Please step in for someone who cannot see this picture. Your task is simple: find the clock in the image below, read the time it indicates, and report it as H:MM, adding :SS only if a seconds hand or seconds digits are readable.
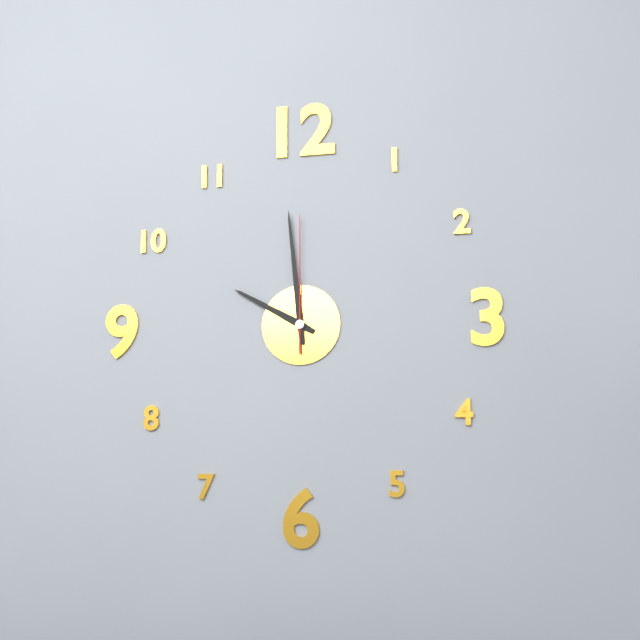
9:59:00
